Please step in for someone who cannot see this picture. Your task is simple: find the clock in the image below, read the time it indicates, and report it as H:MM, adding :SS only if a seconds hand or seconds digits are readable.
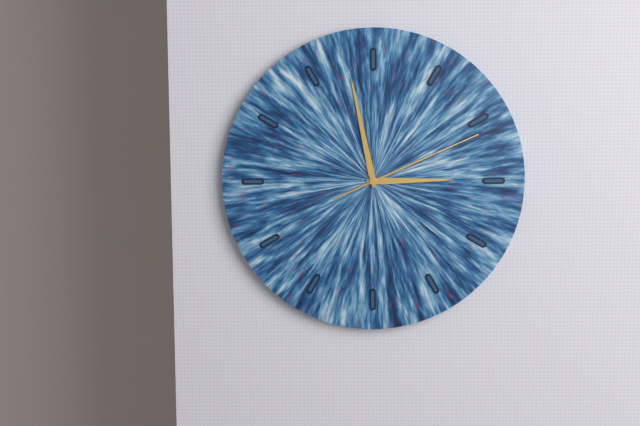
2:58:11
